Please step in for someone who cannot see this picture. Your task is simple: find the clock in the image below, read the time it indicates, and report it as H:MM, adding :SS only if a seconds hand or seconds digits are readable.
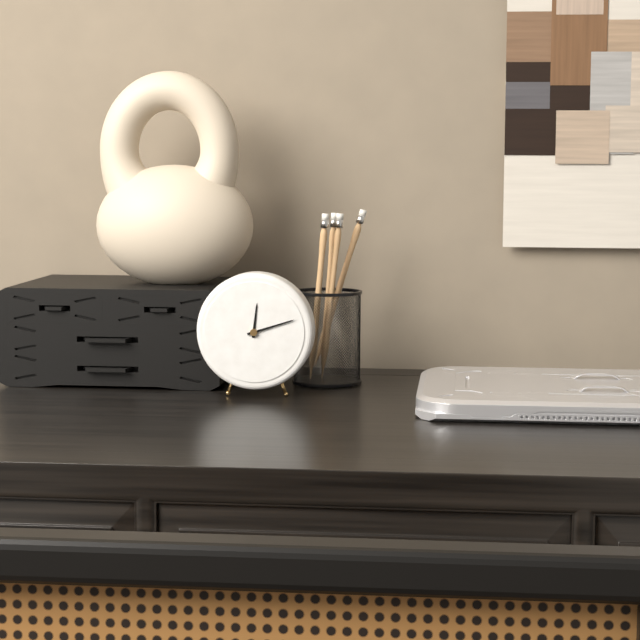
12:12
